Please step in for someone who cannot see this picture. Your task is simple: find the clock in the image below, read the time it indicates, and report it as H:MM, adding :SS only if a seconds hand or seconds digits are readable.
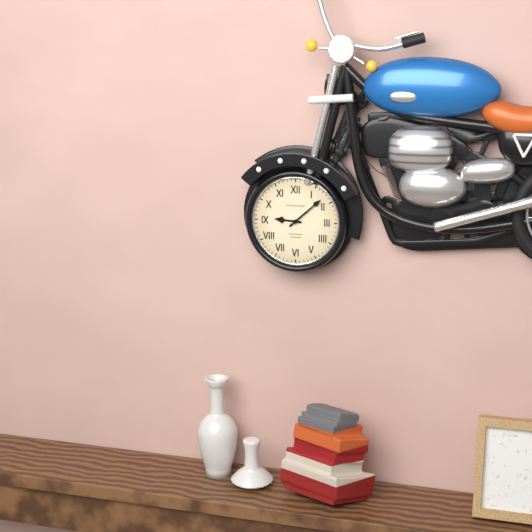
9:08
